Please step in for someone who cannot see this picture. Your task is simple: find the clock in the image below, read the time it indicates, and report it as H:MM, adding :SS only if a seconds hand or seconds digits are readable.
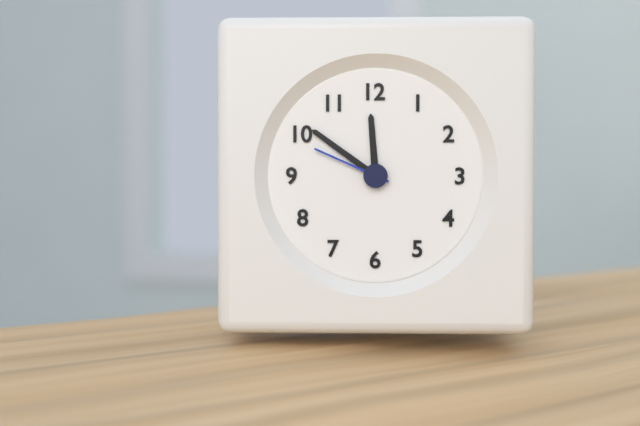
11:51:49
